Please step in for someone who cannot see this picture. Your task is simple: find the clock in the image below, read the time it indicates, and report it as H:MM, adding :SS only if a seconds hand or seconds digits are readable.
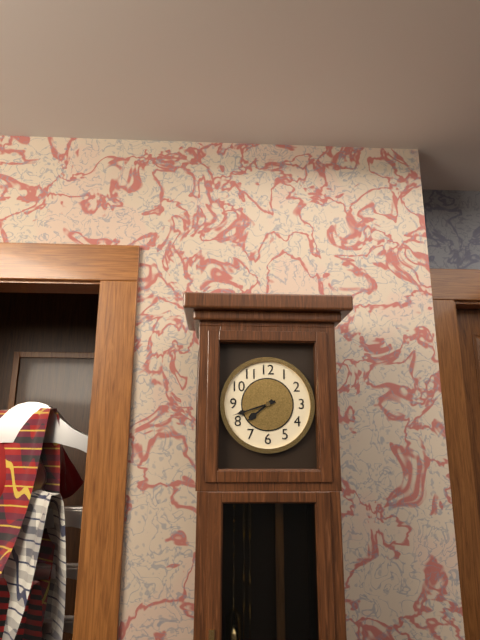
7:42
